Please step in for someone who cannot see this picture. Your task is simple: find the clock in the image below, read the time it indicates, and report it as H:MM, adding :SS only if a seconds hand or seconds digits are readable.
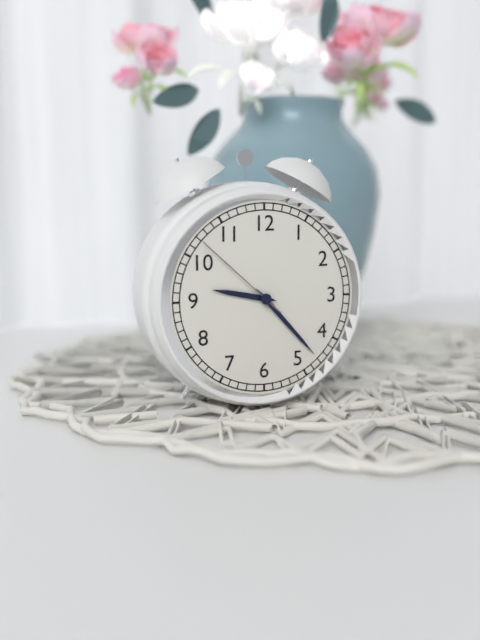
9:23:52
